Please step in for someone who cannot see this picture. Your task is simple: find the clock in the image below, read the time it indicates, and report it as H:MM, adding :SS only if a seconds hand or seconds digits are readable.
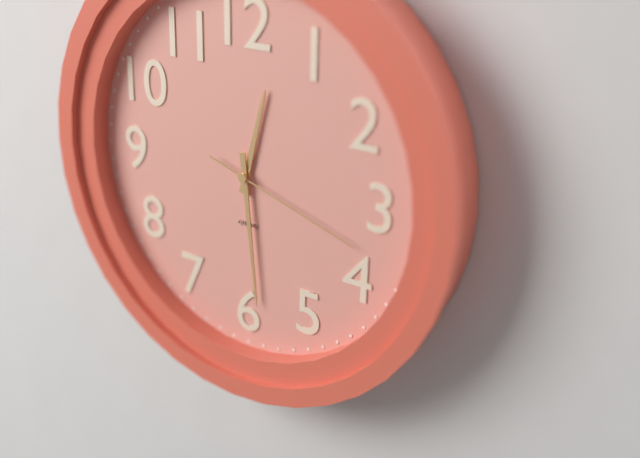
12:29:18
